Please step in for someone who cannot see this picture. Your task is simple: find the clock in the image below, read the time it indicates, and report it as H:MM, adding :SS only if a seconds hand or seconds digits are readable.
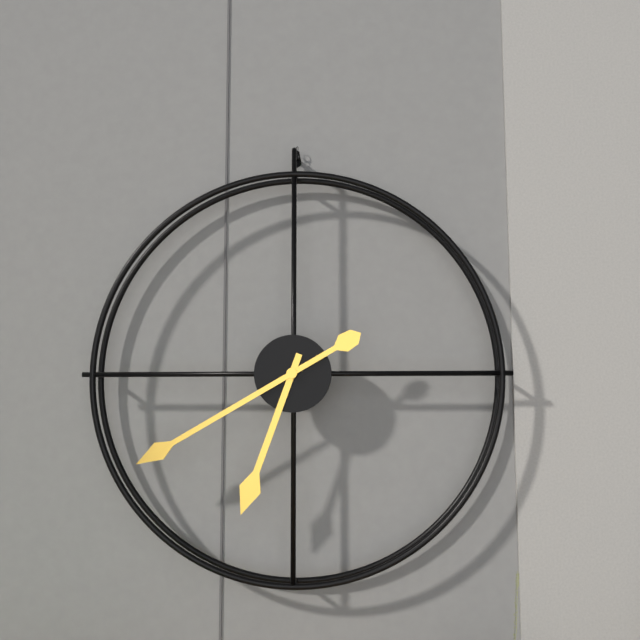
6:40
